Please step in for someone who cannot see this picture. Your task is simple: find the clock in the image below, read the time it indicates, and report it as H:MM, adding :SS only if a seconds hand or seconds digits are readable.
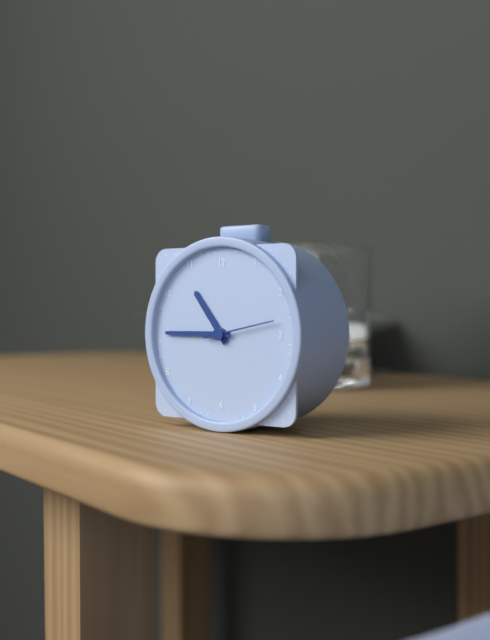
10:45:13
